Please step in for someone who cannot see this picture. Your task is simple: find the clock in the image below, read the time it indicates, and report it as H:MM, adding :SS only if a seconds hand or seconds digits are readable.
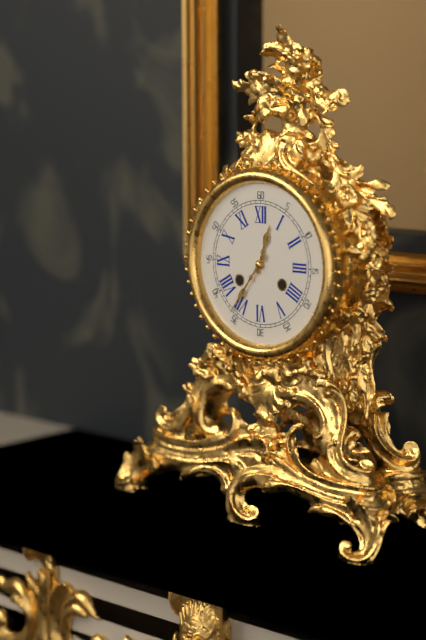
12:36
